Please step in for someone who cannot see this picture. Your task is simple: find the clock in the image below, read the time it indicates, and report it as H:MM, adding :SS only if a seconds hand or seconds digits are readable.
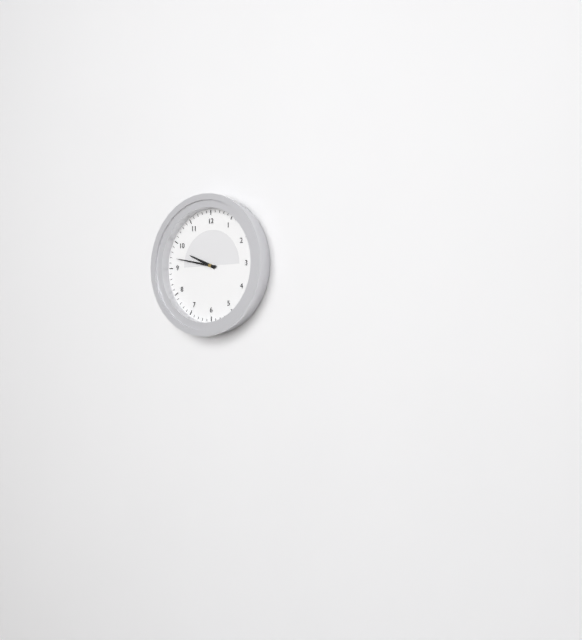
9:47
